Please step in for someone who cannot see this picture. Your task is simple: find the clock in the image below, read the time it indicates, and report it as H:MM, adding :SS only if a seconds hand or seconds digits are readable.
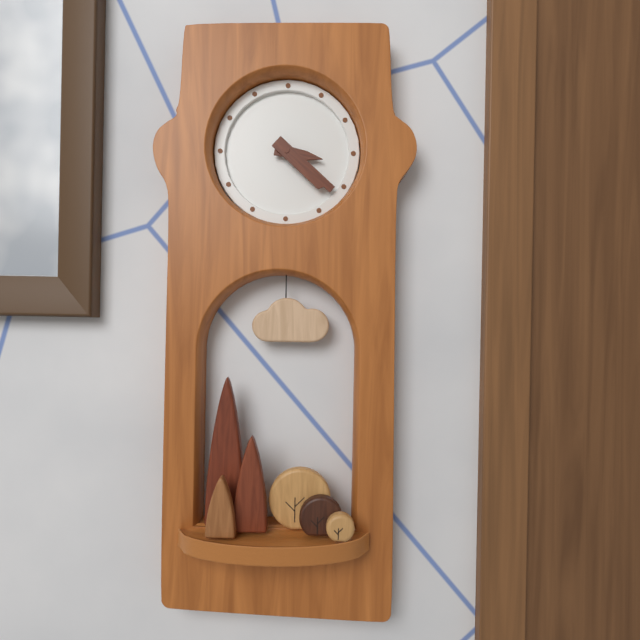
3:22
